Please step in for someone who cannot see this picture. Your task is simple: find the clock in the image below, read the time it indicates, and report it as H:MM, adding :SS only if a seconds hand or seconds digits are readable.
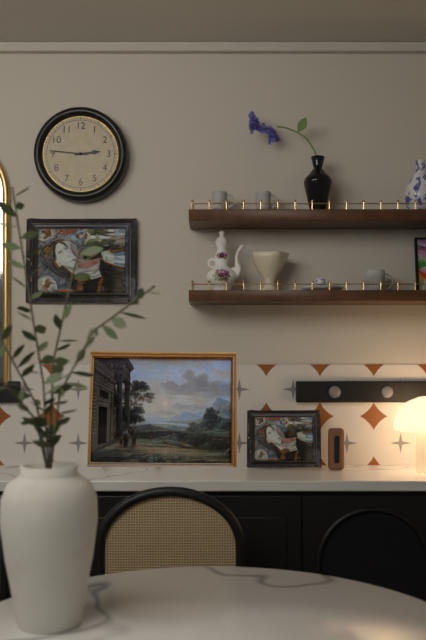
2:46
